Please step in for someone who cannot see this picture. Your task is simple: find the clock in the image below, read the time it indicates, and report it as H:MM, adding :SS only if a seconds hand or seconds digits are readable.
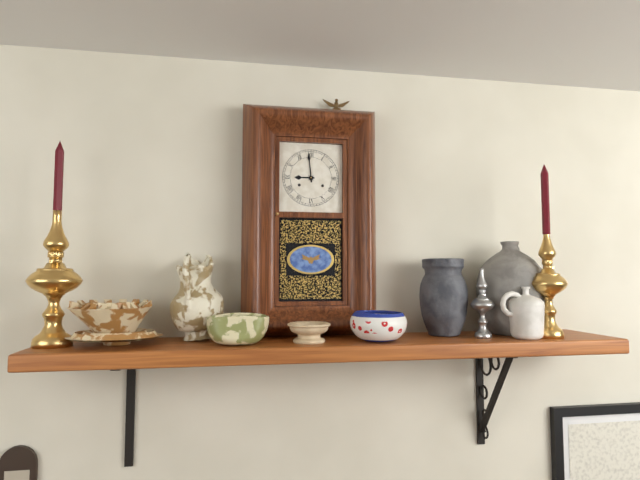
8:59
